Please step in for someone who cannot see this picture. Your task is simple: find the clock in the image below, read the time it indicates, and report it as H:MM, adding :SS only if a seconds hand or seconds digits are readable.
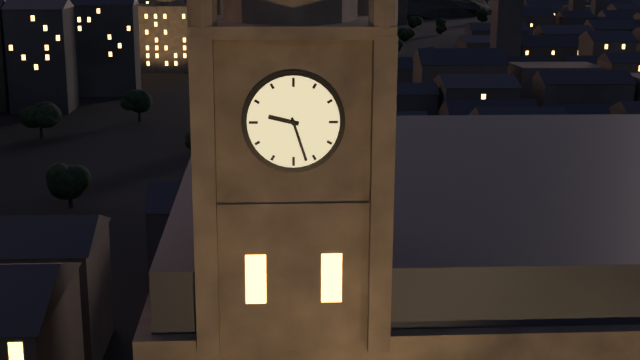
9:27
